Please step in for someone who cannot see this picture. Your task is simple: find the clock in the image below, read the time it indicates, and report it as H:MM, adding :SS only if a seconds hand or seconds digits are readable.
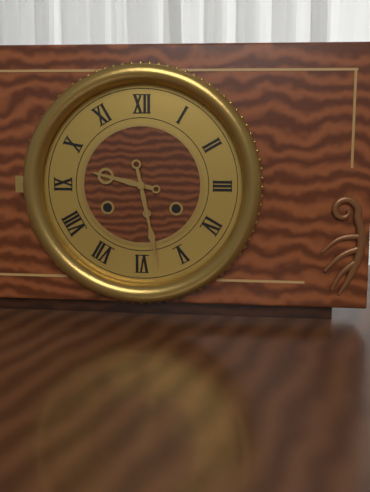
9:28
